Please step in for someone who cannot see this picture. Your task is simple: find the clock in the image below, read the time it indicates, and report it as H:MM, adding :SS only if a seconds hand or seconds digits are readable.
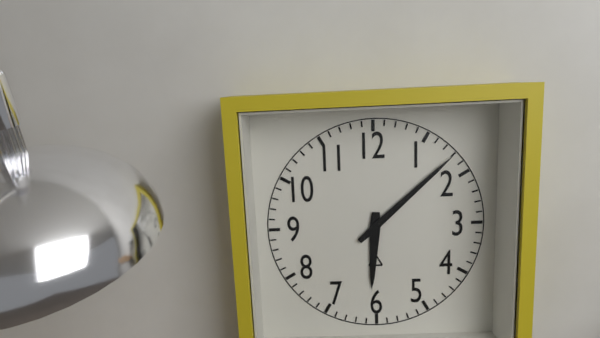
6:08
